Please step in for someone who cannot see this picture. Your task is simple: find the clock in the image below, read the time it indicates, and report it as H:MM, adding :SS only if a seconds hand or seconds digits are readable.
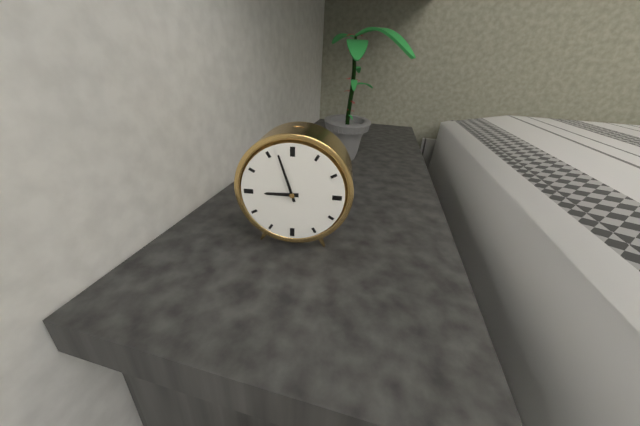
8:57
